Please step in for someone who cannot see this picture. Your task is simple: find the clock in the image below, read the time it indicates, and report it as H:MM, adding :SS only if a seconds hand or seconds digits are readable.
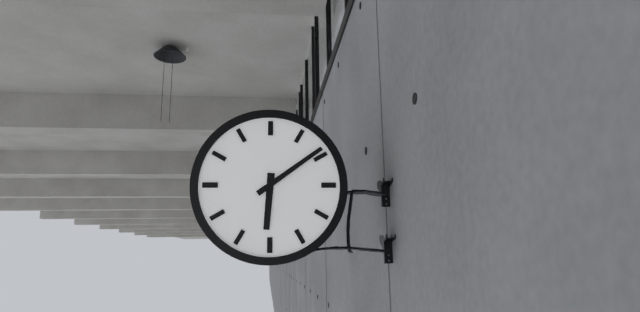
6:09
